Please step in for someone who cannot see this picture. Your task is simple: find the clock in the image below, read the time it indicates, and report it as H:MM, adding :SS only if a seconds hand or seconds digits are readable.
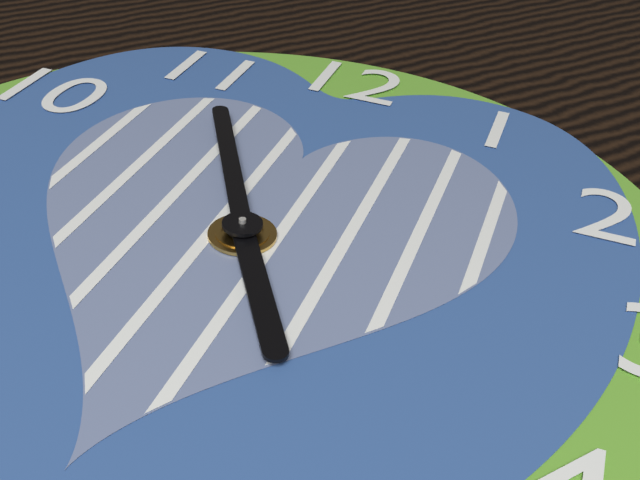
4:55
